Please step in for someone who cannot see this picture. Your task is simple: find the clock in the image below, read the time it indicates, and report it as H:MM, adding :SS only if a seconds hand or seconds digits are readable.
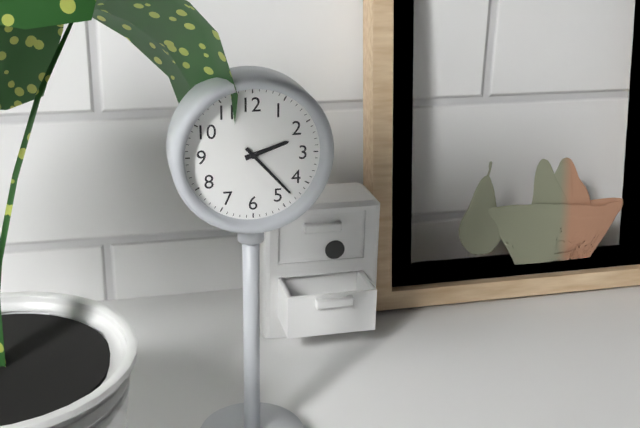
2:23
